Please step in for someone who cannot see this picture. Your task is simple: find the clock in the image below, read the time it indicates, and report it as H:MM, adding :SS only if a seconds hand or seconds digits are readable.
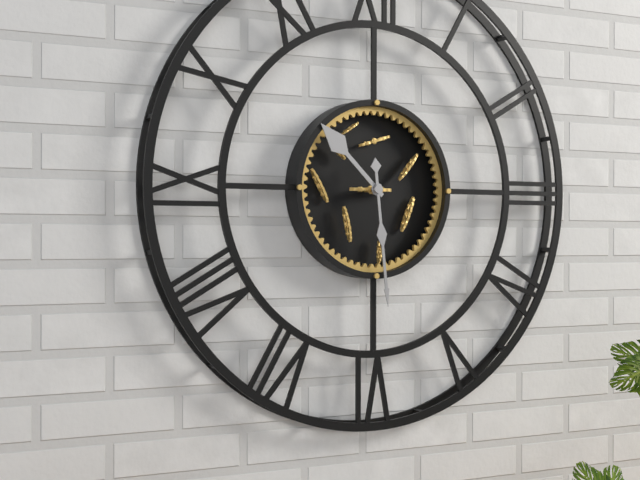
10:29
